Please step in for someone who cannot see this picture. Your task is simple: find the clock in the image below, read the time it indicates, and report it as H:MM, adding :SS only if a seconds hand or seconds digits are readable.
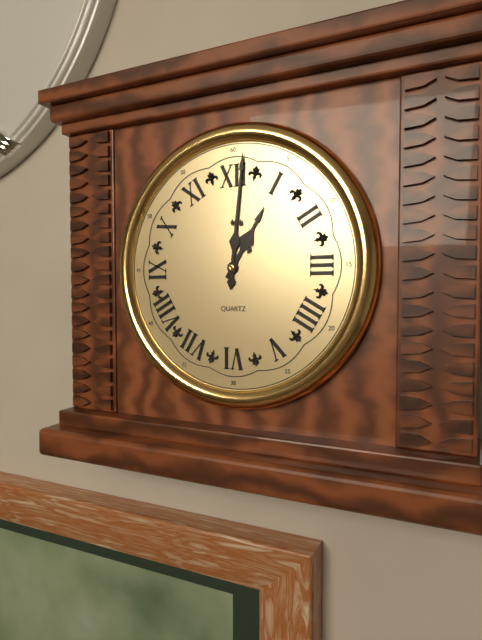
1:01
